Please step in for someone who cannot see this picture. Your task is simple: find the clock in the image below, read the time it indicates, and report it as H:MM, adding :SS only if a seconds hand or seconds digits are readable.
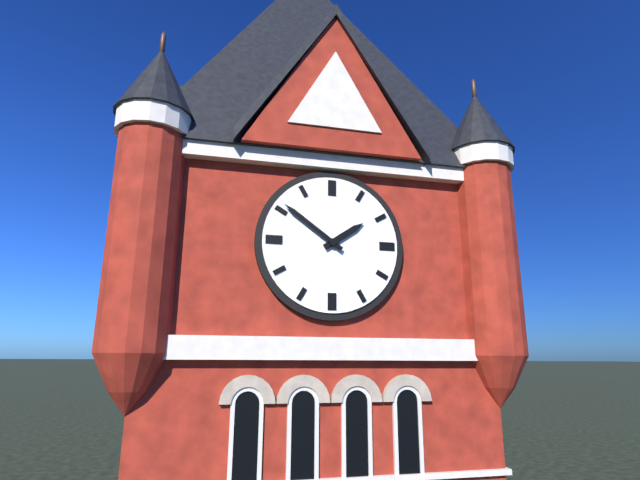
1:51
